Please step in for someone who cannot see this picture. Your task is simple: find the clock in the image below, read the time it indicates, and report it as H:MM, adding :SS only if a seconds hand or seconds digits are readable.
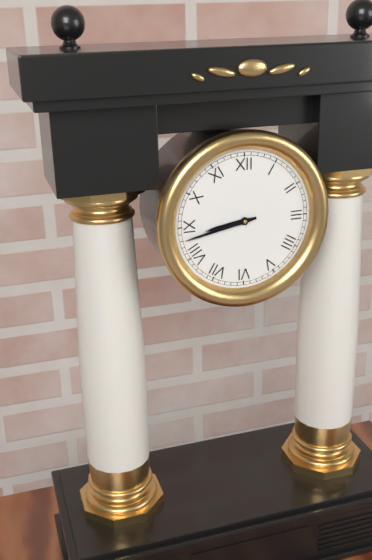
8:43
